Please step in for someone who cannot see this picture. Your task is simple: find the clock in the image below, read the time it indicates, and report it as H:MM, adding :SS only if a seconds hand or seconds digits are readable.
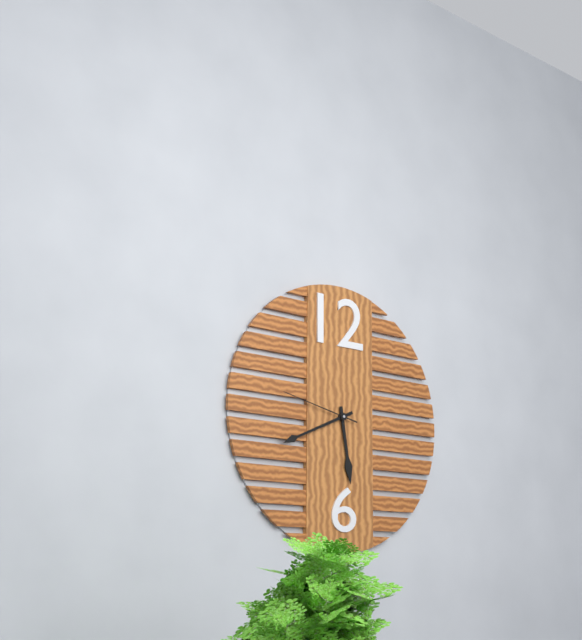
5:41:47
